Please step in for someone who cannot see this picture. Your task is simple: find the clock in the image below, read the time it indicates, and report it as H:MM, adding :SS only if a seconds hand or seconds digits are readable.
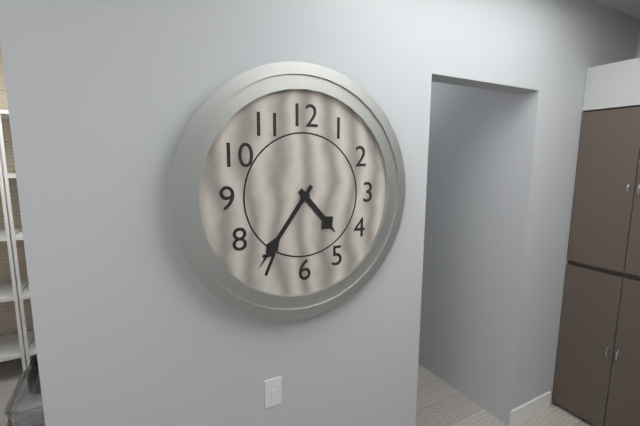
4:36
